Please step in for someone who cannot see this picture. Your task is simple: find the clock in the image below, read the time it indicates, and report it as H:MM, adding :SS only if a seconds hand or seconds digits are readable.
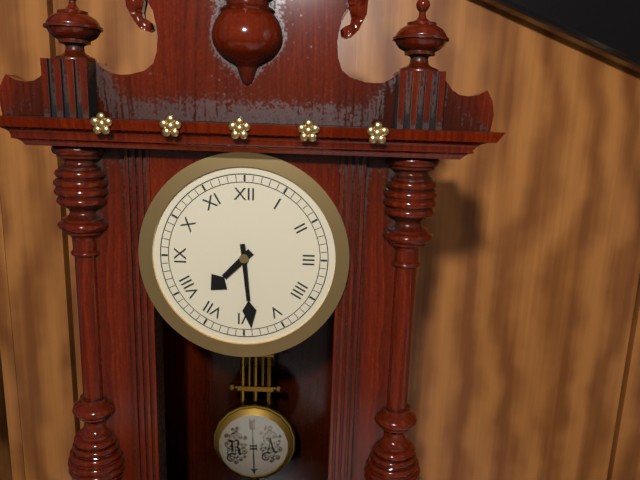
7:29
